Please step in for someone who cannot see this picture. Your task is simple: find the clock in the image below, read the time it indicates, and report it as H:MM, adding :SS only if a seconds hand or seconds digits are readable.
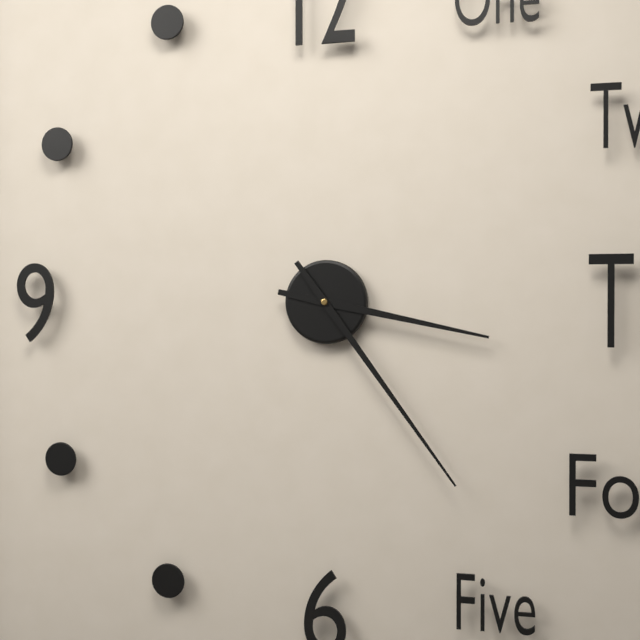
3:24
